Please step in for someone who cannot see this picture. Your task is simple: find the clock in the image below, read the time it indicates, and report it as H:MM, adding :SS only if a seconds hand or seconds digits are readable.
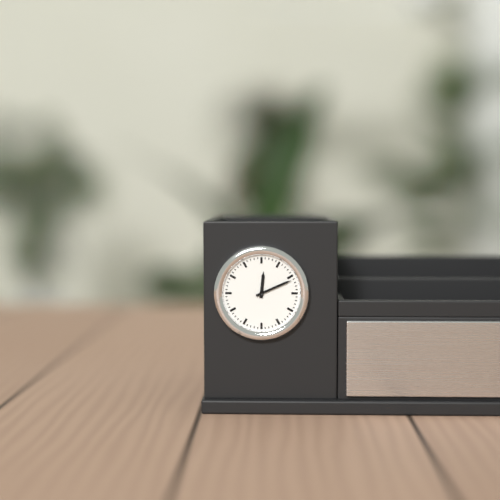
12:11
